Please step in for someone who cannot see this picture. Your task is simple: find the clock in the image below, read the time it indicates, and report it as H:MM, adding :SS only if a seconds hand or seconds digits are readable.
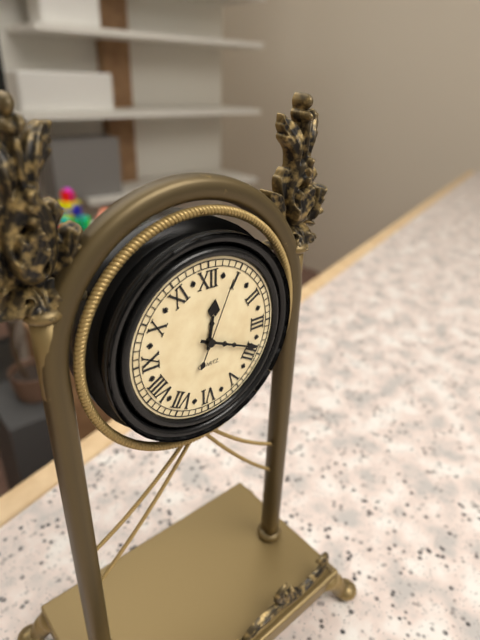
12:19:04
